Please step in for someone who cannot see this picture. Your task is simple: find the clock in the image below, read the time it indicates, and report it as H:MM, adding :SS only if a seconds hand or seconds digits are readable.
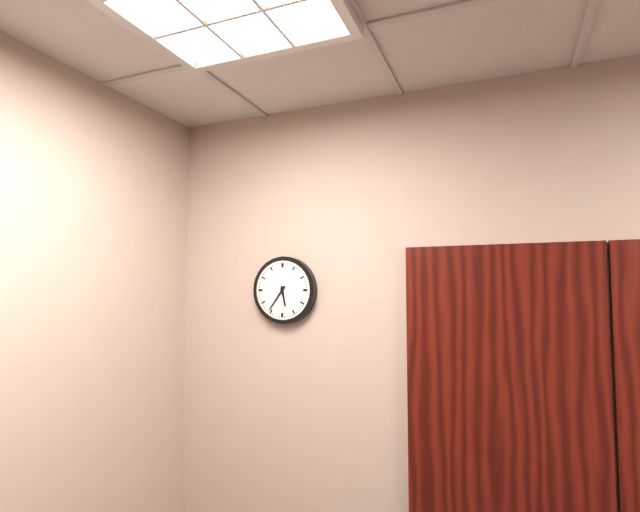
5:36
